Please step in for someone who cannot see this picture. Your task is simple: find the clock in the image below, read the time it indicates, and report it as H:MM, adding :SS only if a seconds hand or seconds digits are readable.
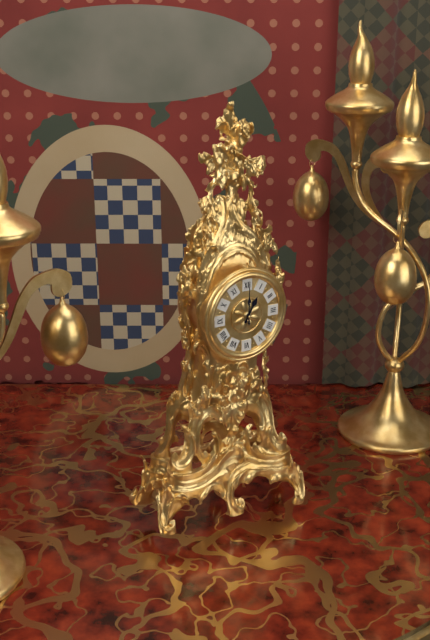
1:00
